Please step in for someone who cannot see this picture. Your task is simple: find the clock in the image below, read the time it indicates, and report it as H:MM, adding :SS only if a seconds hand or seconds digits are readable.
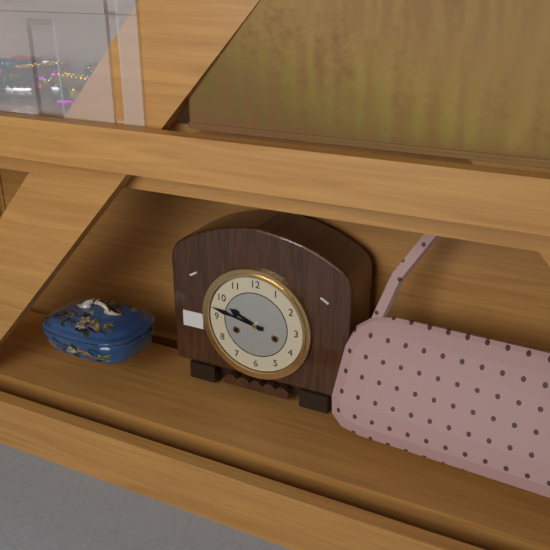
9:47
